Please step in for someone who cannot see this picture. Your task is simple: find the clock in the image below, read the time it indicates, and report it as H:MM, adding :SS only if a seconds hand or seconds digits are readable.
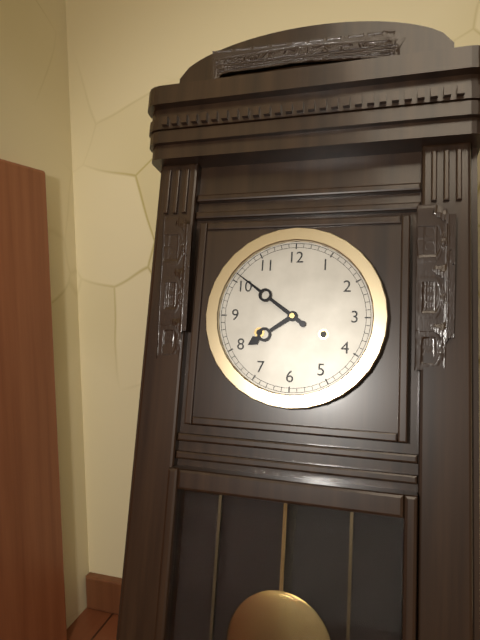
7:51
